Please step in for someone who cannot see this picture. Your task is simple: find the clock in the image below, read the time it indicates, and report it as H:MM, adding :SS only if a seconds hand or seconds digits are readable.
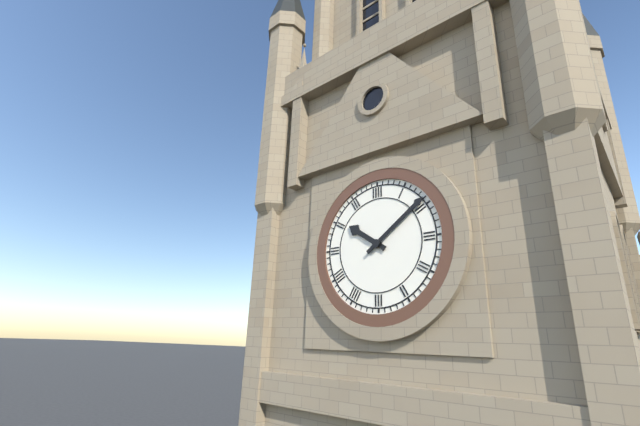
10:09
